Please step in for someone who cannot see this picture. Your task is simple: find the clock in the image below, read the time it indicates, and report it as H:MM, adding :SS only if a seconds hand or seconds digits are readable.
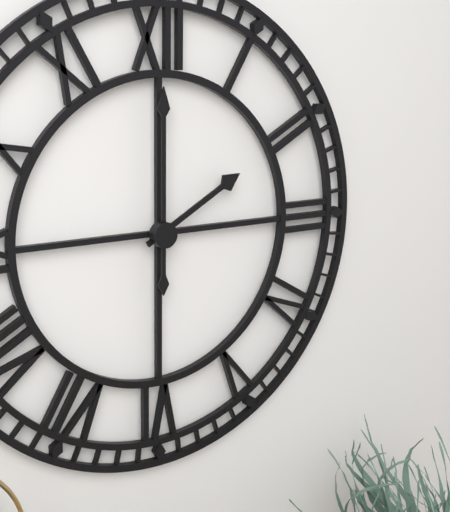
2:00
